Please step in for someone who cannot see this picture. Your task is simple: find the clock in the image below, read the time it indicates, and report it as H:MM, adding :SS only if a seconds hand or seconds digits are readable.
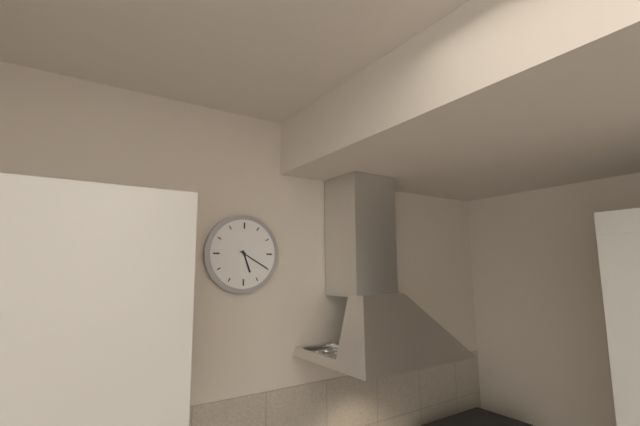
5:20
